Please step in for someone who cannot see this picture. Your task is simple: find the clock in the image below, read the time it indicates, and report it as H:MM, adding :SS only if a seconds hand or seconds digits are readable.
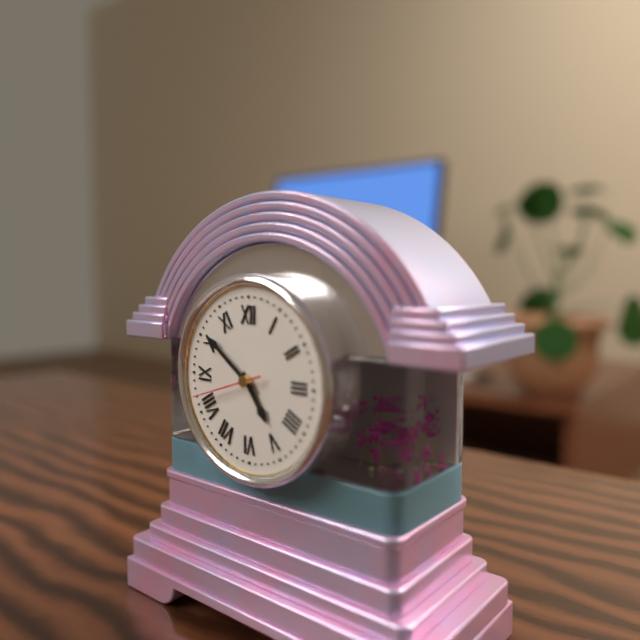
4:51:42
